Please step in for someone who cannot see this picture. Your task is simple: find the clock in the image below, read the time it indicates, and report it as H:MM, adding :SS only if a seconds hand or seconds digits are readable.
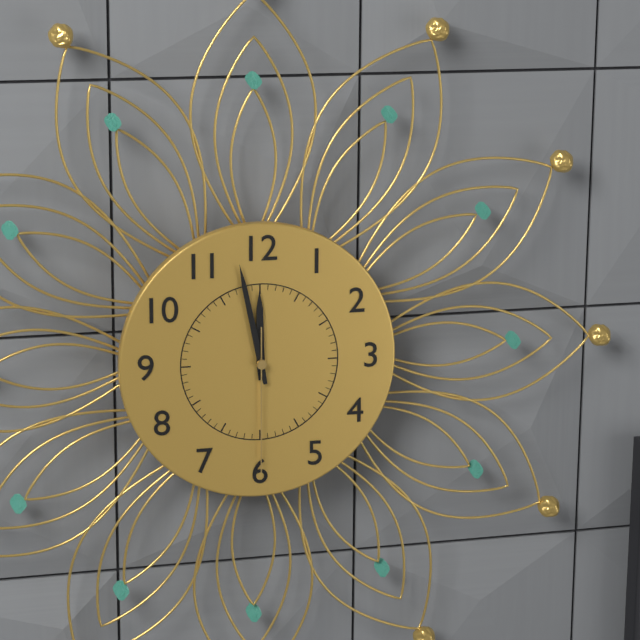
11:58:30
